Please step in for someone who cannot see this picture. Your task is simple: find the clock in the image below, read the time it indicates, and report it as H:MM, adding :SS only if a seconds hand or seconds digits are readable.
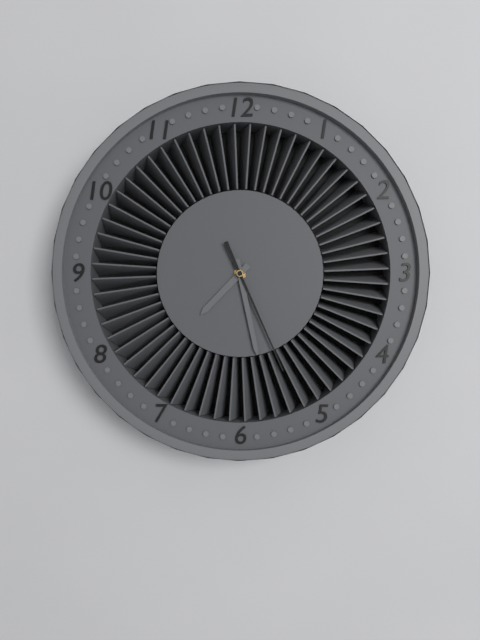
7:28:26
